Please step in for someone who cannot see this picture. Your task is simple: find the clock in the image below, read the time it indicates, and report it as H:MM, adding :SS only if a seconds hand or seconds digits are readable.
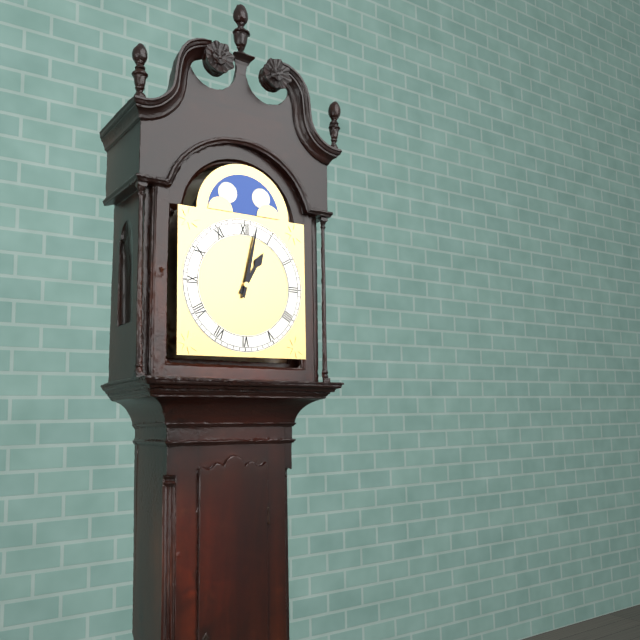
1:02
